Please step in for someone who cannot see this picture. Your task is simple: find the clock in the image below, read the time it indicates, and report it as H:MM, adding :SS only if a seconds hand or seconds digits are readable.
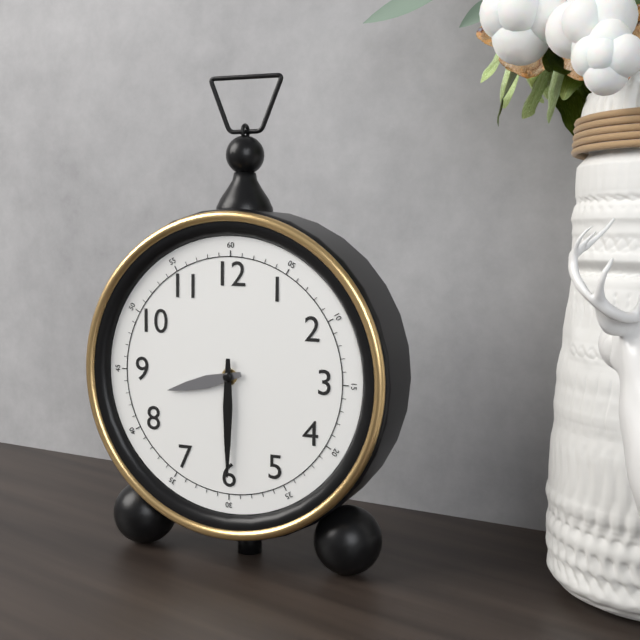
8:30
